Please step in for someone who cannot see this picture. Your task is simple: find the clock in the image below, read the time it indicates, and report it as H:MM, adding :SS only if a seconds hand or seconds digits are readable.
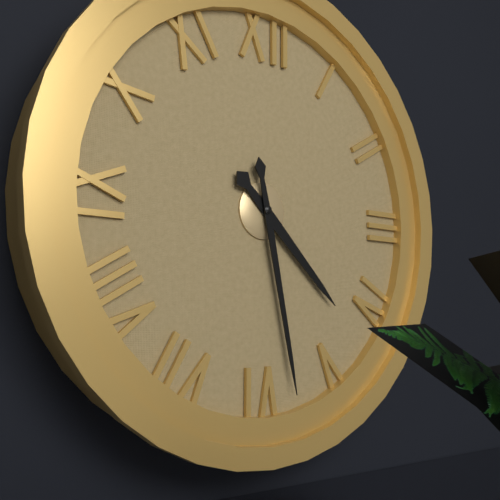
4:28
